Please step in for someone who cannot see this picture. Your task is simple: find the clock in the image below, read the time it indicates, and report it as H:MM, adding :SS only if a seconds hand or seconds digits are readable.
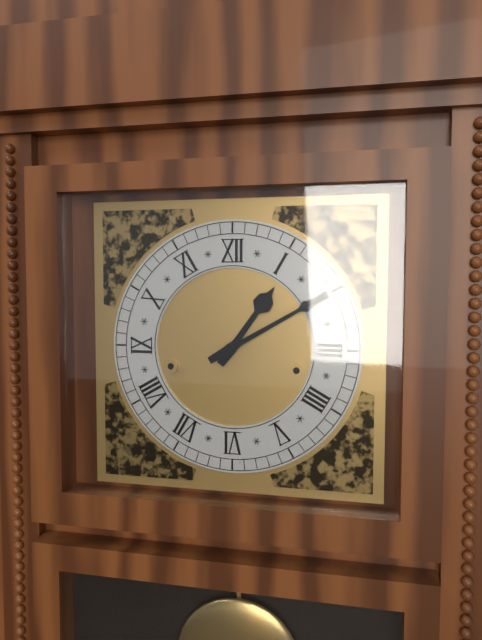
1:10
